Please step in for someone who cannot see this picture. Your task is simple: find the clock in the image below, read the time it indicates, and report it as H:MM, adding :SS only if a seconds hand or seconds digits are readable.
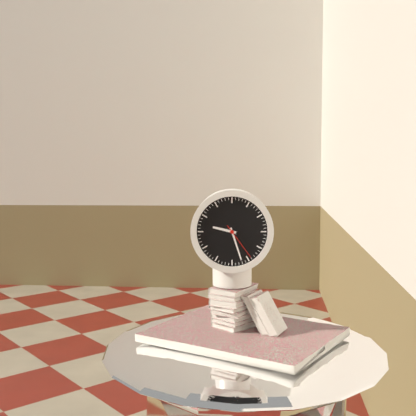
9:27
